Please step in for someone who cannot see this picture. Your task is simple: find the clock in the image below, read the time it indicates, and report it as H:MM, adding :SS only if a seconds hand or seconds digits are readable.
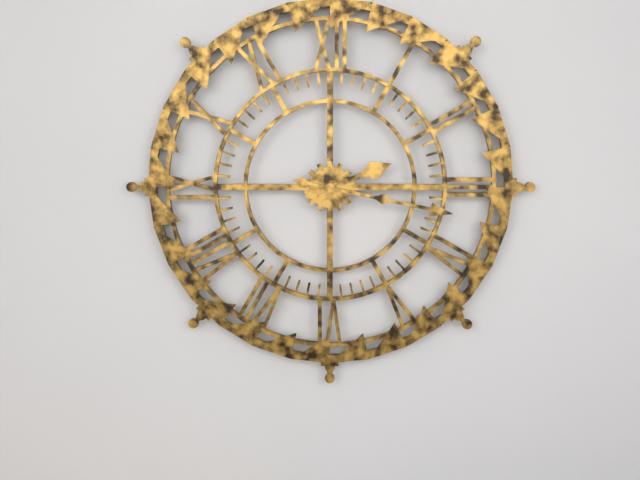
2:17
